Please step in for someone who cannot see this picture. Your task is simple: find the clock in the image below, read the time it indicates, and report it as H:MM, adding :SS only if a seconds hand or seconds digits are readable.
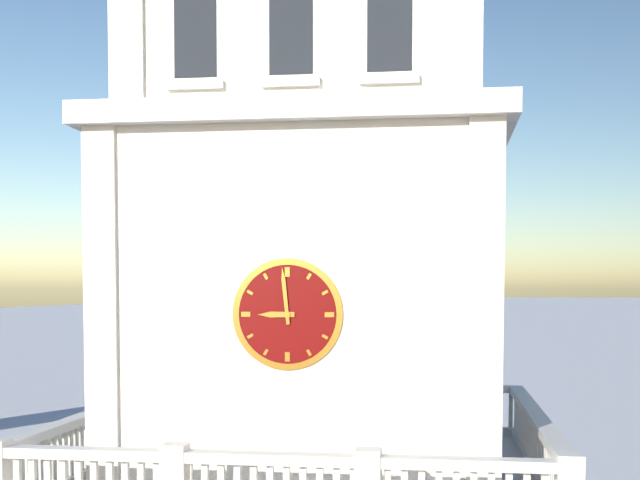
8:59
